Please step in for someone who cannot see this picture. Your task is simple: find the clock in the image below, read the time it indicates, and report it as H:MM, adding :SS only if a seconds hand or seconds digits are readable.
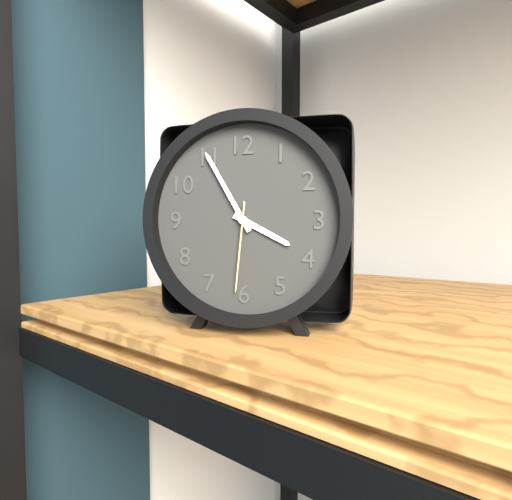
3:55:31
